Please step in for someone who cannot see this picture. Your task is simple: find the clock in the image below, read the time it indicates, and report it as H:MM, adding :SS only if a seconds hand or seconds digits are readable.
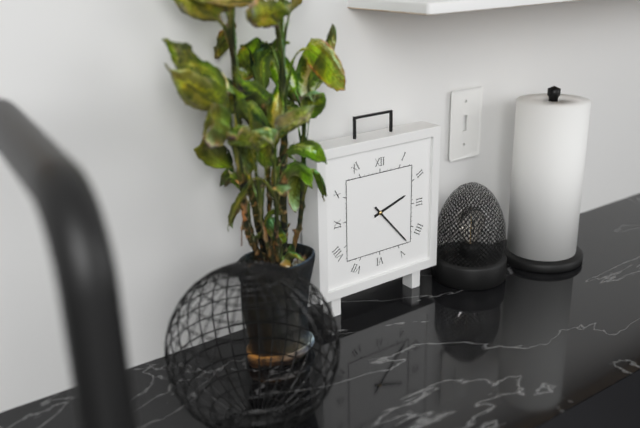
2:23
